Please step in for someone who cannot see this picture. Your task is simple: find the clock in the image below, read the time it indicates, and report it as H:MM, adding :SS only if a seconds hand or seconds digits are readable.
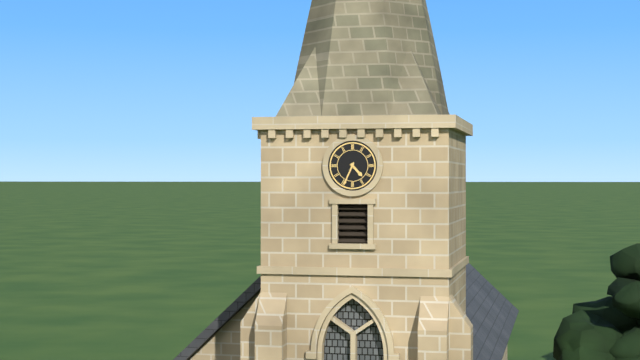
4:34
